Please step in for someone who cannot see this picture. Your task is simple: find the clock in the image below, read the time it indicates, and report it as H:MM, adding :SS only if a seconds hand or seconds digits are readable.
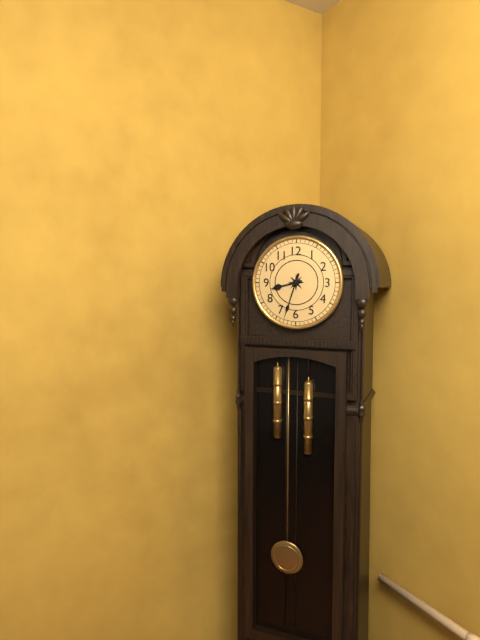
8:33
